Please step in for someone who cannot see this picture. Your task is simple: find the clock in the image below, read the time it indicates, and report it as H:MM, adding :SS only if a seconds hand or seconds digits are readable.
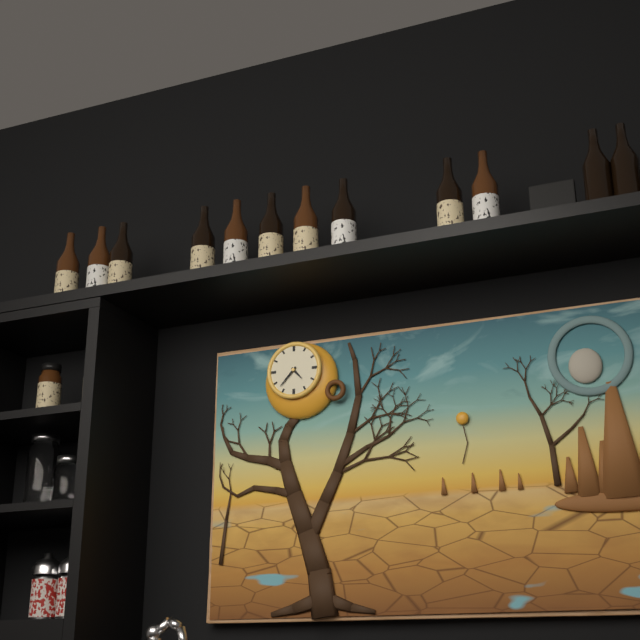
4:37
